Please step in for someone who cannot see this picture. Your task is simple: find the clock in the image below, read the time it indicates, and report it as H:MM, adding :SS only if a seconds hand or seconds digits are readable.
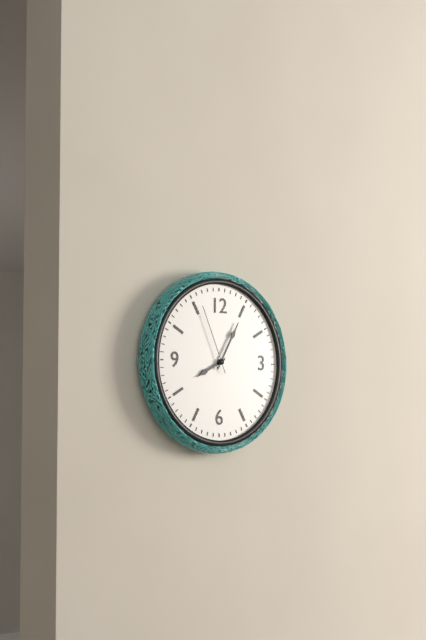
8:05:56
